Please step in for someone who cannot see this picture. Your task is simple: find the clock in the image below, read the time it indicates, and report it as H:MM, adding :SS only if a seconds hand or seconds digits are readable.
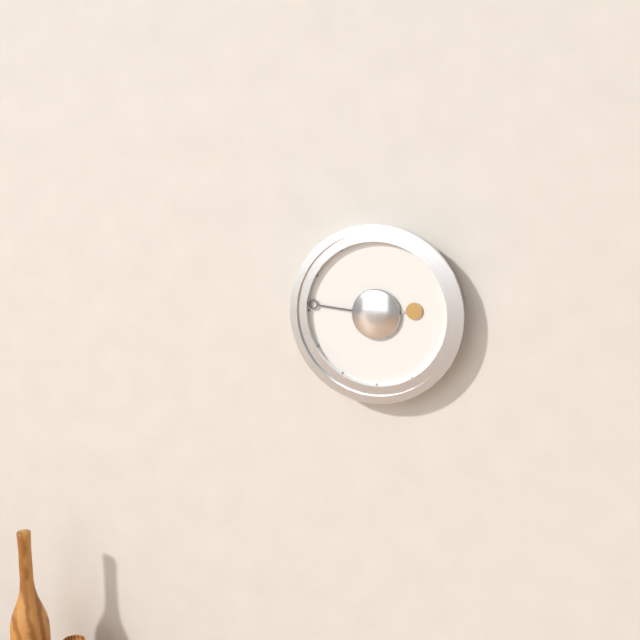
2:46
